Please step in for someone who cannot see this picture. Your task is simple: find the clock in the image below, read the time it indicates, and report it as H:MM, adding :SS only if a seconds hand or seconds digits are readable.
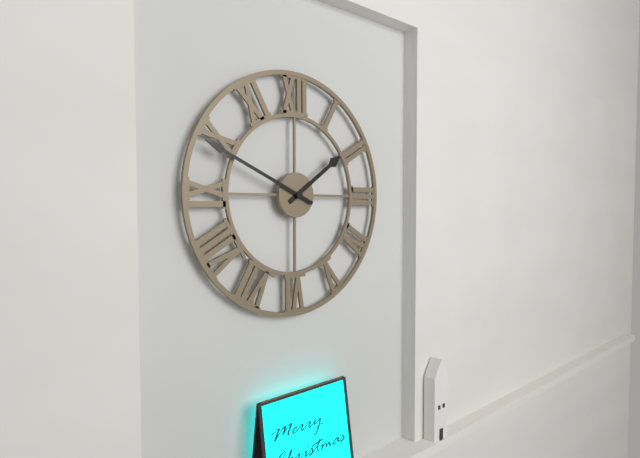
1:49
